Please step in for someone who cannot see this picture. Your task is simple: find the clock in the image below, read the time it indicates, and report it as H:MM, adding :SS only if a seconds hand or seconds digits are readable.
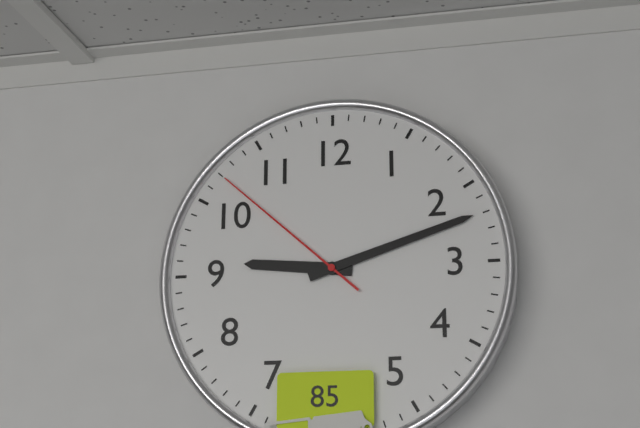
9:12:52
